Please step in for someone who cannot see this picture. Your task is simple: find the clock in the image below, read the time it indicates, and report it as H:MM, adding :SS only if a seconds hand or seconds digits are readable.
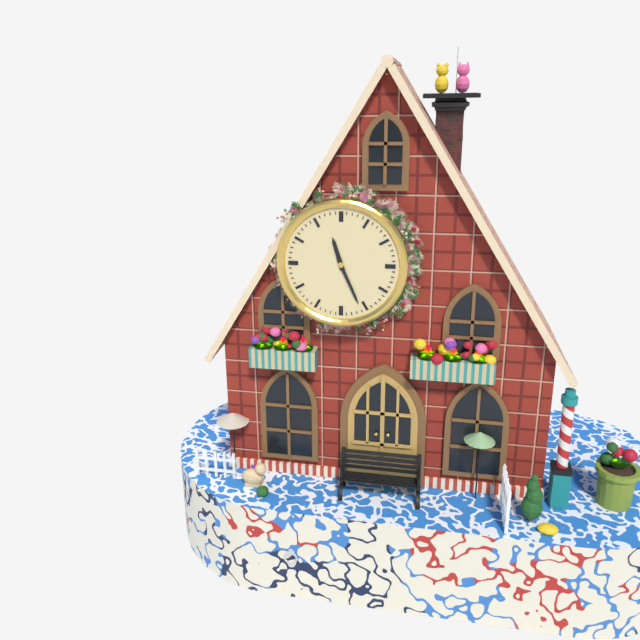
11:26
